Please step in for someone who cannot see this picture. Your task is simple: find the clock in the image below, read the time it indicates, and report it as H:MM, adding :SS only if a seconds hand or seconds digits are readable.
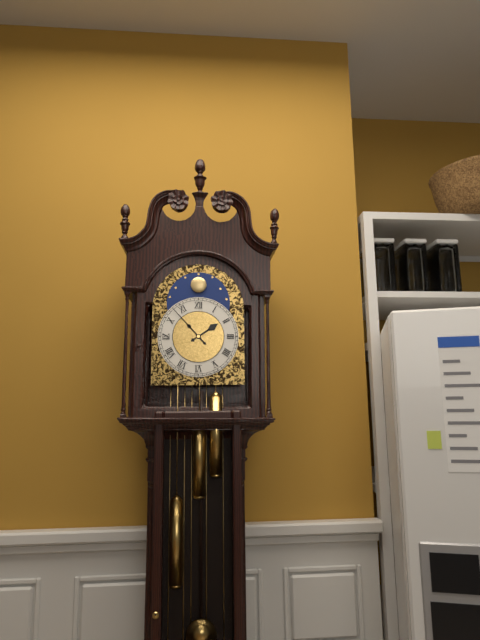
1:53
